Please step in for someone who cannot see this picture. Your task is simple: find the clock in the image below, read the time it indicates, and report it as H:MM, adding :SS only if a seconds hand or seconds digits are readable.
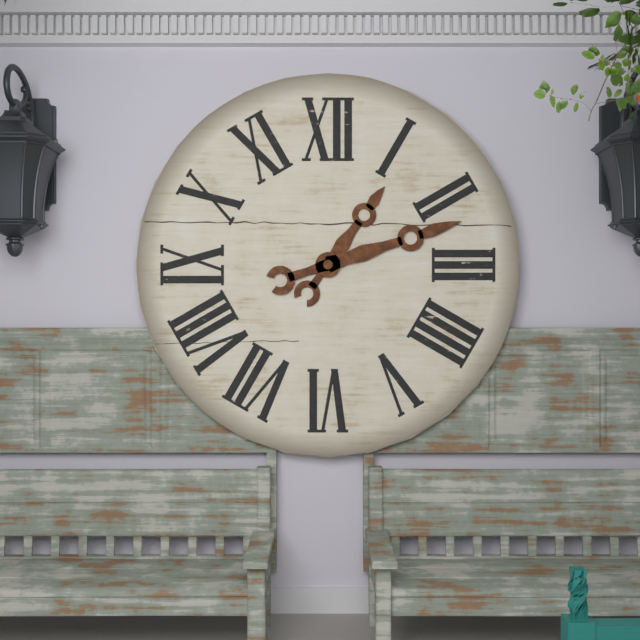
1:12
